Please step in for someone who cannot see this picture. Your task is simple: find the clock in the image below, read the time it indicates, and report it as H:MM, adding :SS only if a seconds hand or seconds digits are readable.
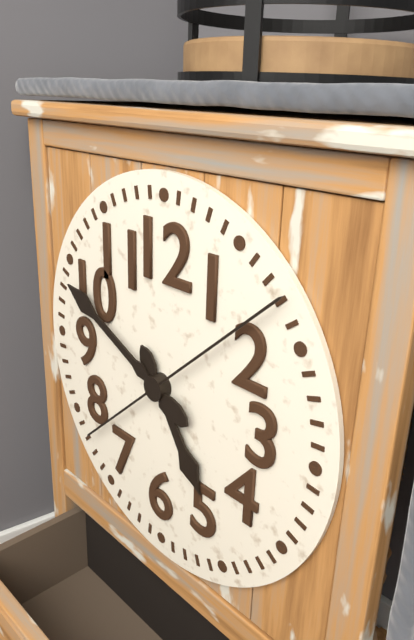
4:49:08
